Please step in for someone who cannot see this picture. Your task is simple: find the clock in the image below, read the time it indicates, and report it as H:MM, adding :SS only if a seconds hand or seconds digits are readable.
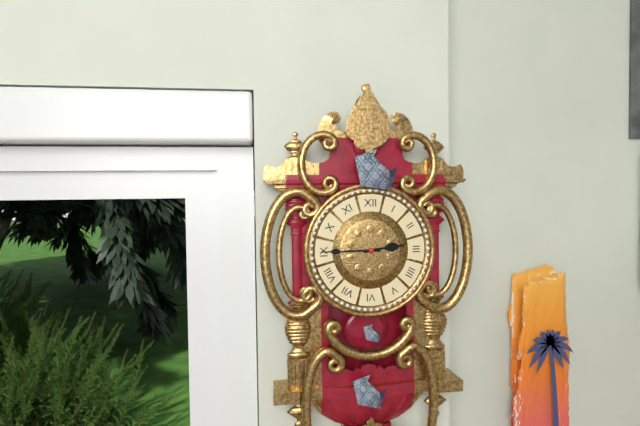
2:45
